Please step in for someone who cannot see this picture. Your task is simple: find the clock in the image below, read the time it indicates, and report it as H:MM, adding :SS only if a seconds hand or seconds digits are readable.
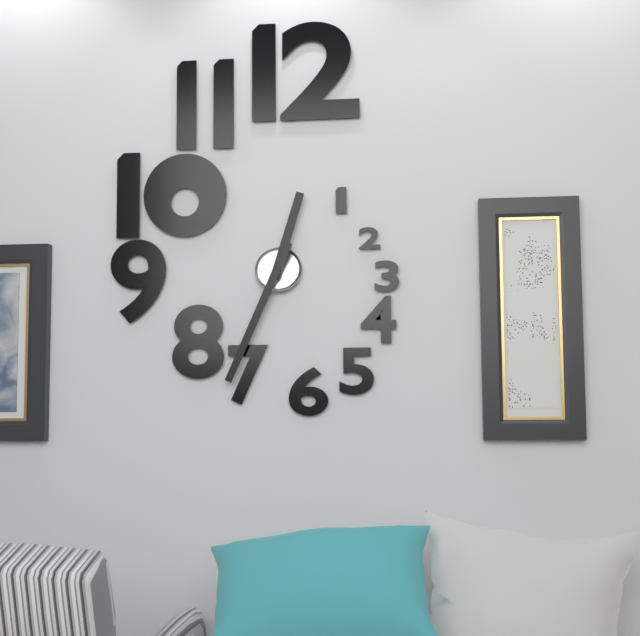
12:34
